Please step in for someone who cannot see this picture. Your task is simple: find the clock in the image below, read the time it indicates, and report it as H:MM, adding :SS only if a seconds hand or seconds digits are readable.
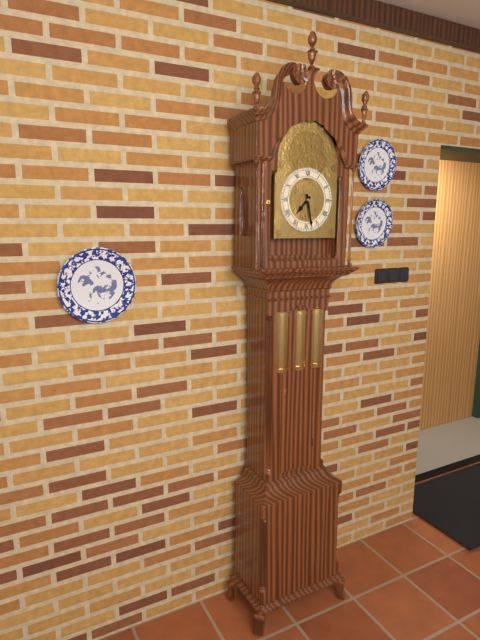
7:28
